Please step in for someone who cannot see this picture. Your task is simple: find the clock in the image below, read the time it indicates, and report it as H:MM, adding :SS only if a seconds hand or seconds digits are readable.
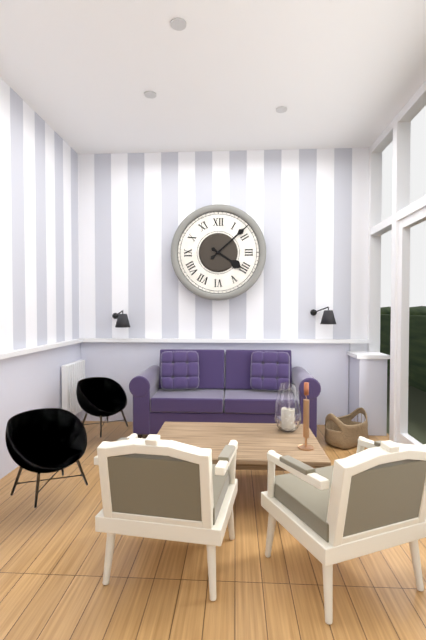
4:08
